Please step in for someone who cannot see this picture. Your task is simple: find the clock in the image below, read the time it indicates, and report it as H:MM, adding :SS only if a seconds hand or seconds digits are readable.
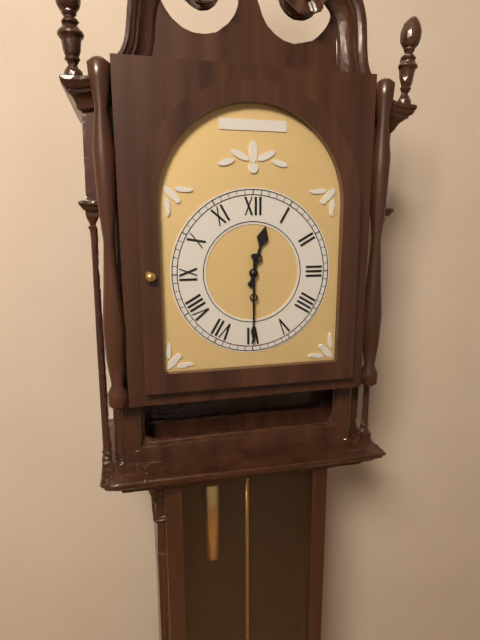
12:30
